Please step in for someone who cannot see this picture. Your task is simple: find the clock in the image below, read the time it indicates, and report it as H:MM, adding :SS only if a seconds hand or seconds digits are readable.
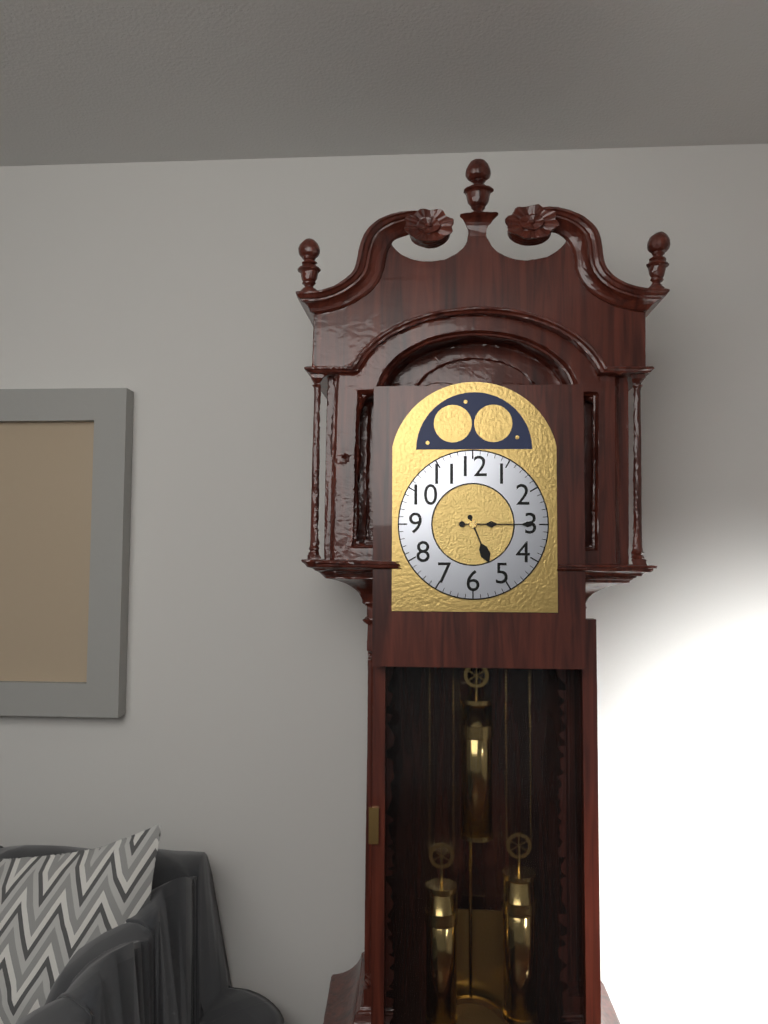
5:15
